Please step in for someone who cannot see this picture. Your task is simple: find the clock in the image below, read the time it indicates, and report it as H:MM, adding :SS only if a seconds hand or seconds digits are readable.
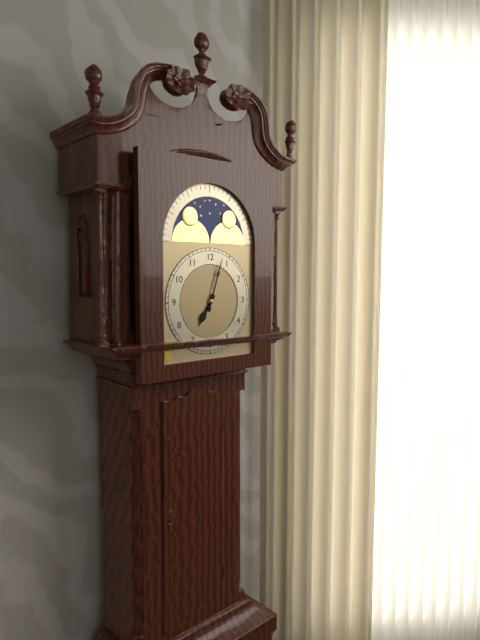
7:03
